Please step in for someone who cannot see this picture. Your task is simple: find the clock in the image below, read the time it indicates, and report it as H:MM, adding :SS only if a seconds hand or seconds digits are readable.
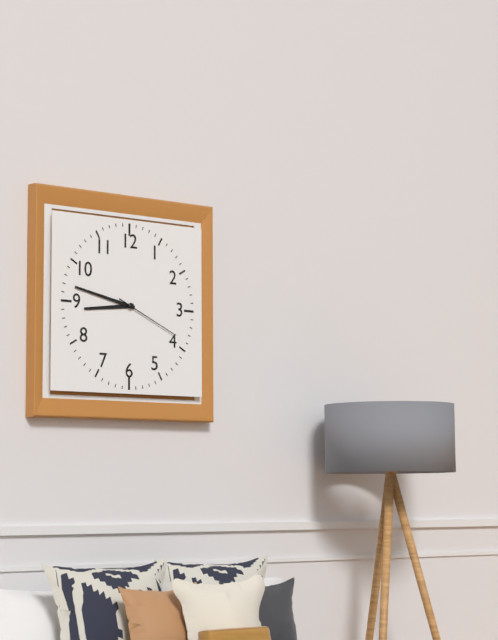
8:47:19
